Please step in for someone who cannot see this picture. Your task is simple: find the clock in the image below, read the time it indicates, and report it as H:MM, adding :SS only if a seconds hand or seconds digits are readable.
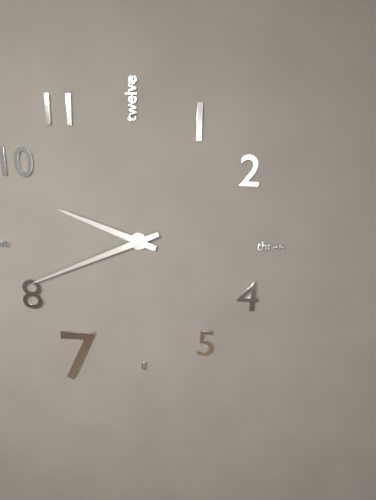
9:41
